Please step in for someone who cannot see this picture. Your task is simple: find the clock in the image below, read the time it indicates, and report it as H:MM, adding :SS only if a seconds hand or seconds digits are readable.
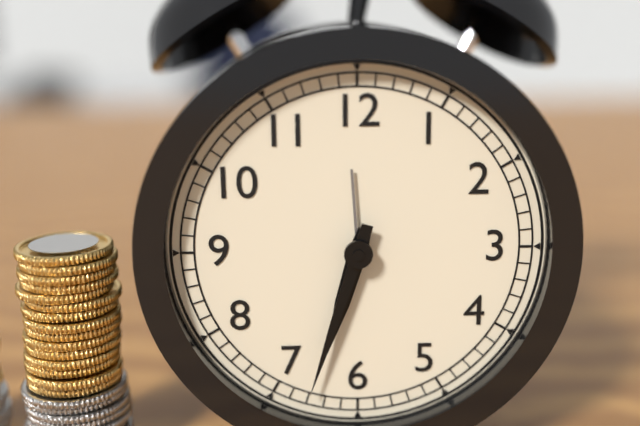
6:33
